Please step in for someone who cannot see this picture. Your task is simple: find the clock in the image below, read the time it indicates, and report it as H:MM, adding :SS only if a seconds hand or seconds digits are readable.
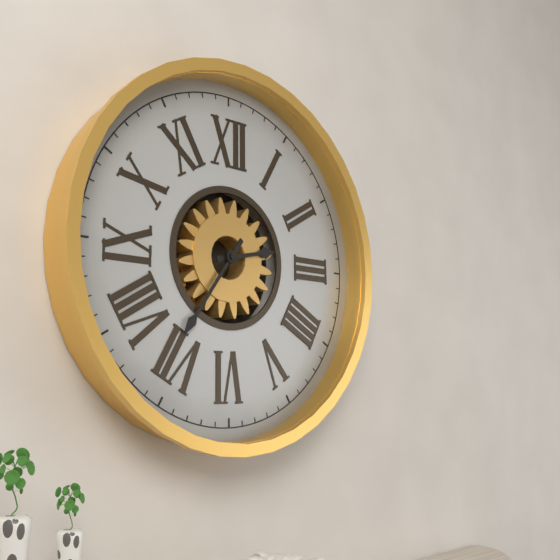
2:36
